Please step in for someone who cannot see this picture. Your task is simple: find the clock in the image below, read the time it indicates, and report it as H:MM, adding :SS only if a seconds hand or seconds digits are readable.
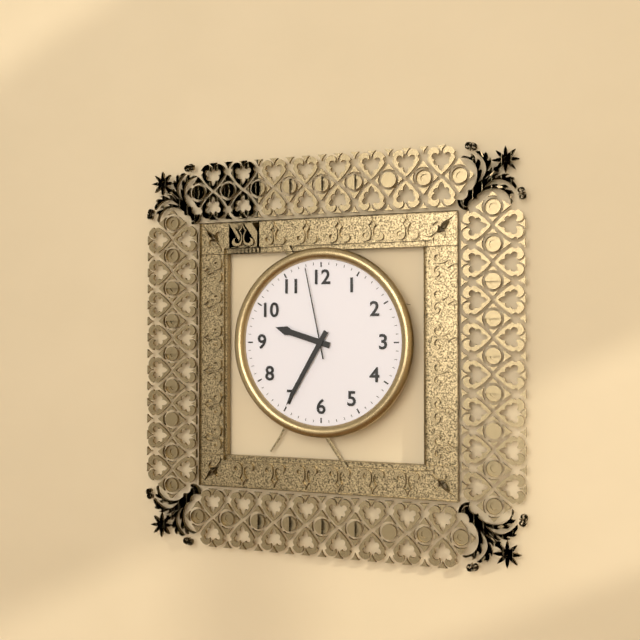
9:35:58
